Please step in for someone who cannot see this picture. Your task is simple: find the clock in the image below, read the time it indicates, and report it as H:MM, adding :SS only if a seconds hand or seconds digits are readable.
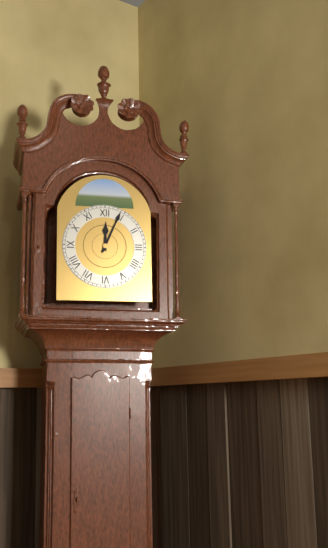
12:04
